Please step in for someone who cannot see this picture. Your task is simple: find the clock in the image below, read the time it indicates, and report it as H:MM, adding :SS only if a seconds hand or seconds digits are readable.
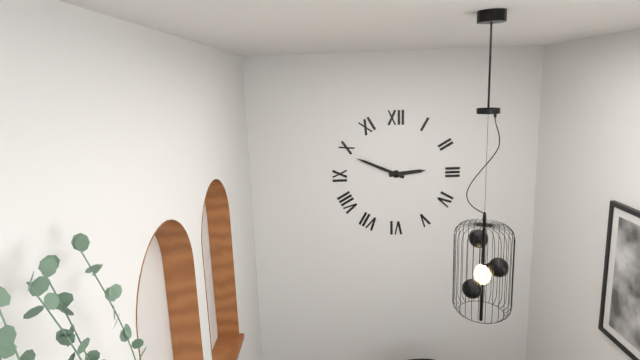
2:49
